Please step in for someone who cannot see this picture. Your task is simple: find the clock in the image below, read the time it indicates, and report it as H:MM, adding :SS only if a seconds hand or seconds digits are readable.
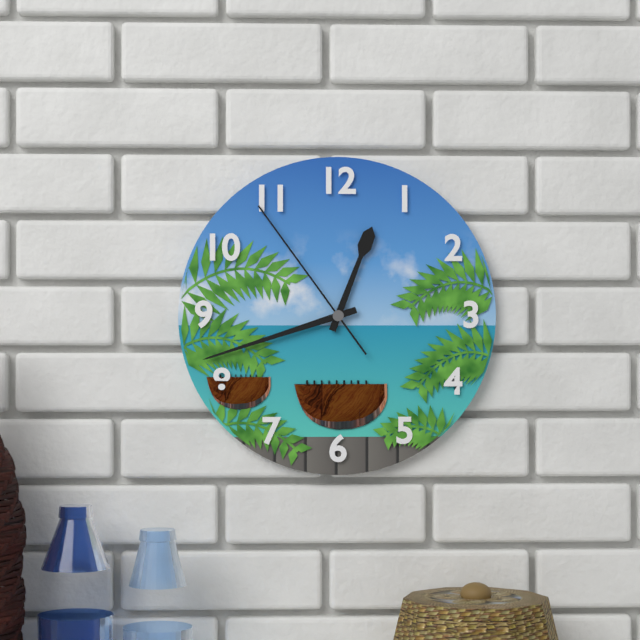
12:42:54
